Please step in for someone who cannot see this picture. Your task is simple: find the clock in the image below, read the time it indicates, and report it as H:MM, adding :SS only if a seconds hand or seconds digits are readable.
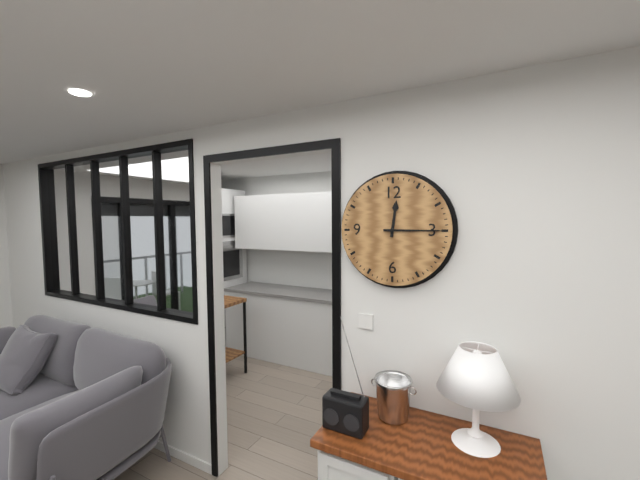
12:15
